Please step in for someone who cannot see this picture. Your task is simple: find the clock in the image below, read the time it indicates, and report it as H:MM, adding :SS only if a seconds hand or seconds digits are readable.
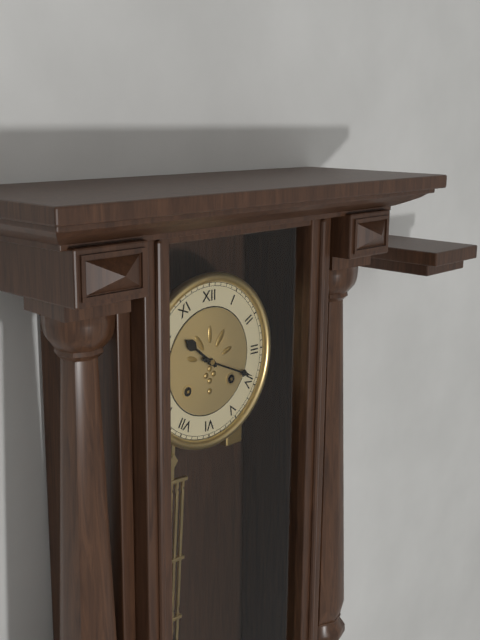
10:19
